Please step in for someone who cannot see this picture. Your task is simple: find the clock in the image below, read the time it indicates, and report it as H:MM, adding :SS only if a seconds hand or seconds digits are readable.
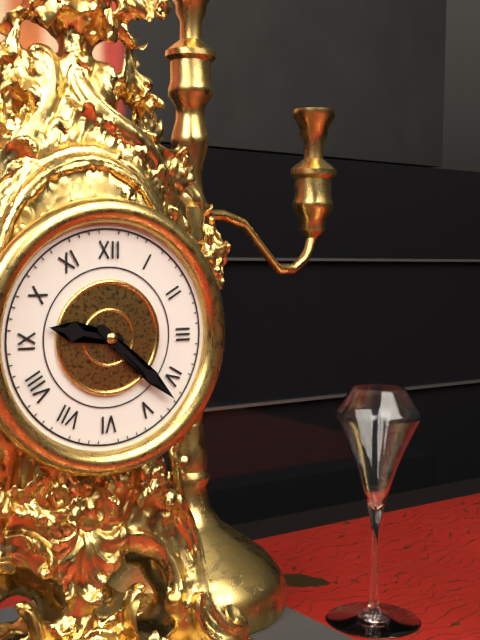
9:22
